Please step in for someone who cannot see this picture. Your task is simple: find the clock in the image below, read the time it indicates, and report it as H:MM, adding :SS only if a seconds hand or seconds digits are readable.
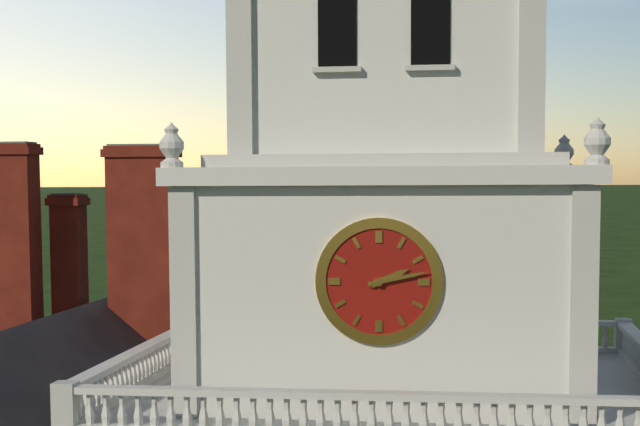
2:13
